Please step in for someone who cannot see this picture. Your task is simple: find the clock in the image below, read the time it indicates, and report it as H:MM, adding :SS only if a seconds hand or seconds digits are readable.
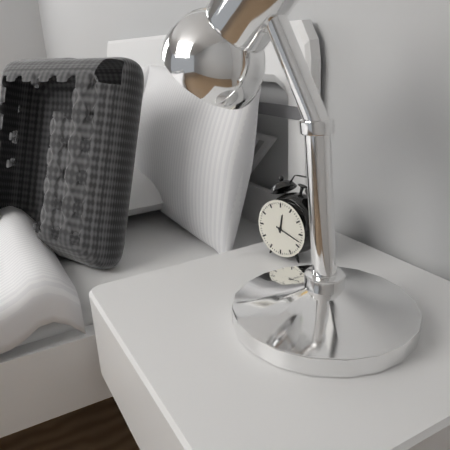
12:18
